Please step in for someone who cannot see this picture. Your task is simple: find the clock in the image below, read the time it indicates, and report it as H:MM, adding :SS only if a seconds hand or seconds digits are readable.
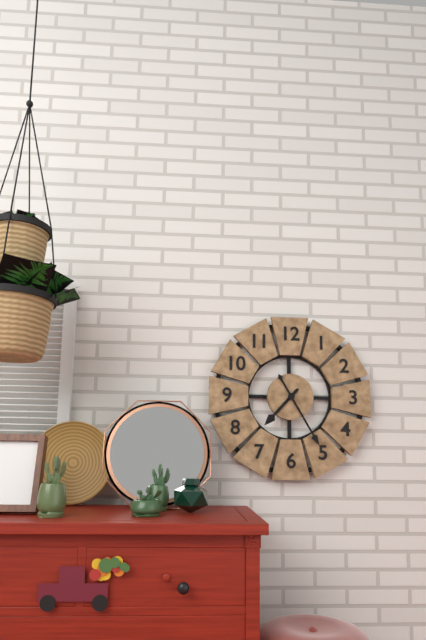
7:25
